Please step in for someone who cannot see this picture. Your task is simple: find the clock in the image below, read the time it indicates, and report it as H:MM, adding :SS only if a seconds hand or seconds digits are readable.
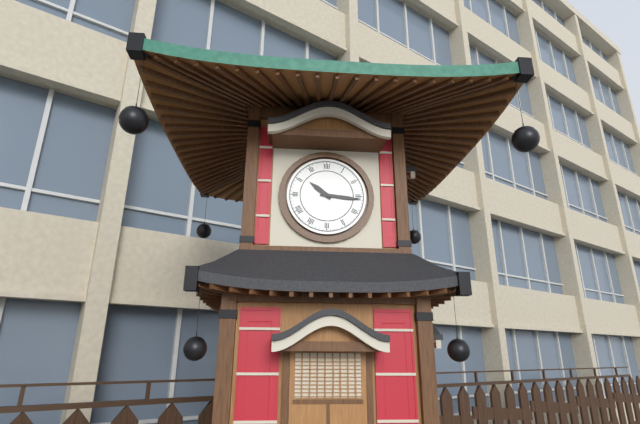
10:16
